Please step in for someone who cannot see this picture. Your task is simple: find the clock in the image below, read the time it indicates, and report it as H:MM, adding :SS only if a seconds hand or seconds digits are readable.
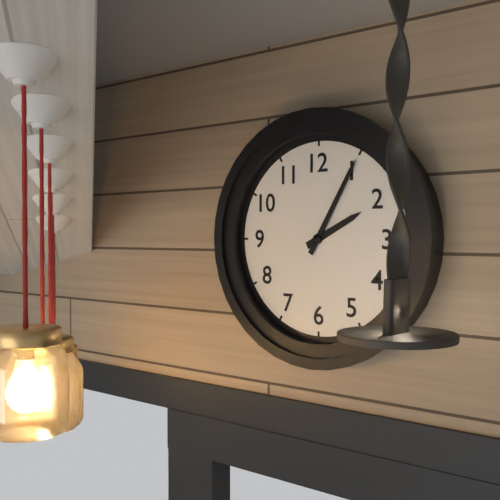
2:05
